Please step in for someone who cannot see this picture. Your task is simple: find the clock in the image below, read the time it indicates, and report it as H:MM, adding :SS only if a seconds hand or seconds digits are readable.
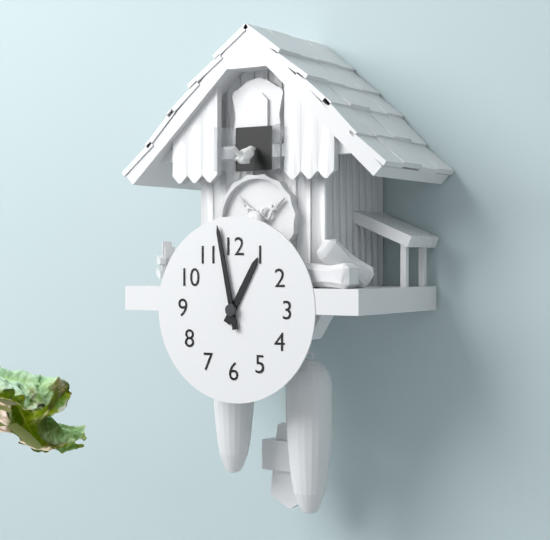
12:58
